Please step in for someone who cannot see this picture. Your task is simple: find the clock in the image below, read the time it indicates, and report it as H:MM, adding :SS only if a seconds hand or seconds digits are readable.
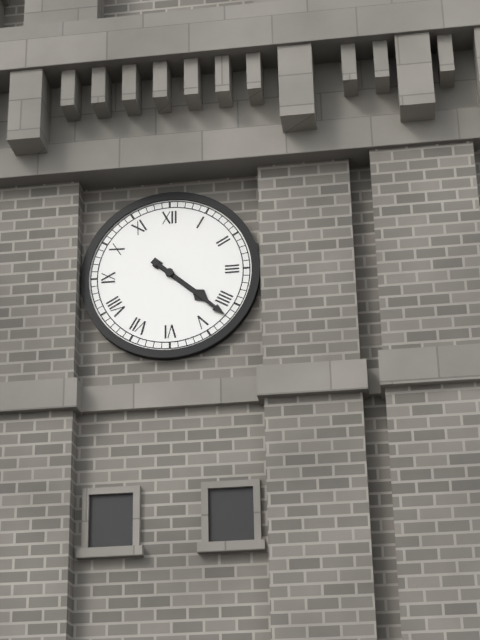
4:22
